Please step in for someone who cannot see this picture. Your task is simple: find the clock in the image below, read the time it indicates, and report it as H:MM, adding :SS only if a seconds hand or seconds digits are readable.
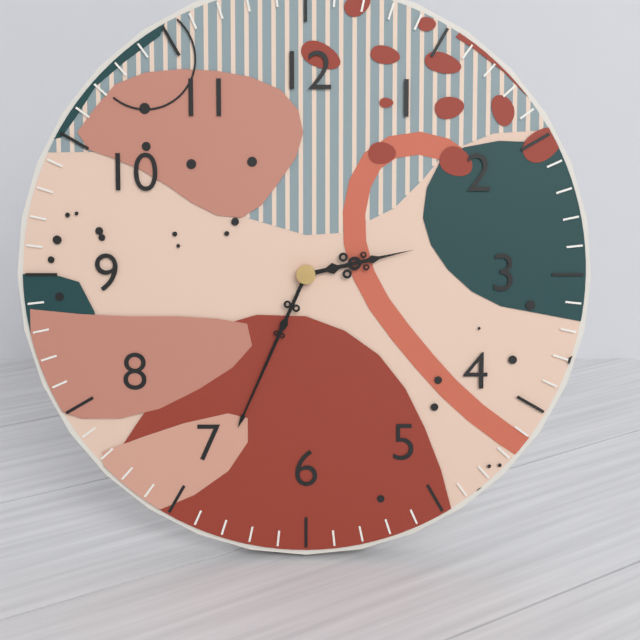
2:34
